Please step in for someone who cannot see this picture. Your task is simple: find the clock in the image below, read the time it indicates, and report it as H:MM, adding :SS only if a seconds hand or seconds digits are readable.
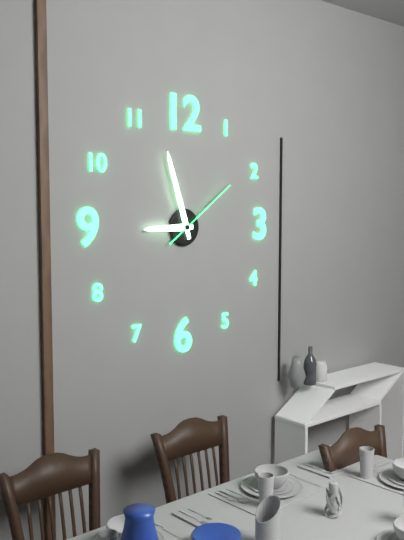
8:57:09
